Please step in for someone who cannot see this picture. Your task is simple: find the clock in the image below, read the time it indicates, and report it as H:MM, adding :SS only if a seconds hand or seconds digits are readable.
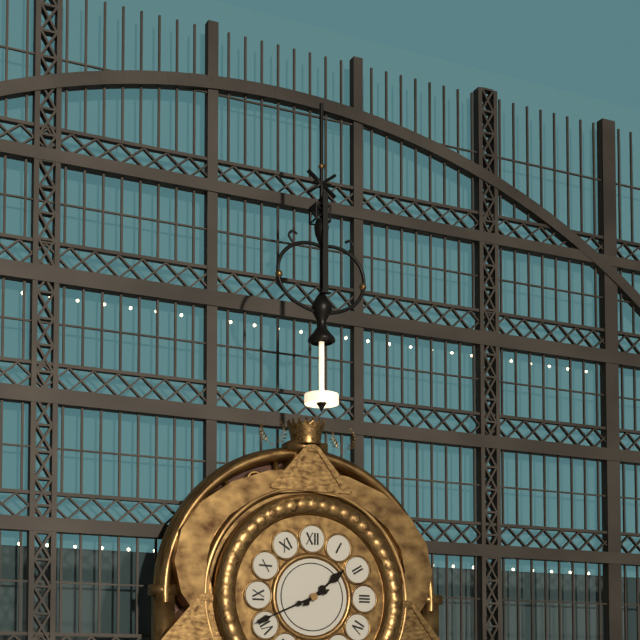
1:41
